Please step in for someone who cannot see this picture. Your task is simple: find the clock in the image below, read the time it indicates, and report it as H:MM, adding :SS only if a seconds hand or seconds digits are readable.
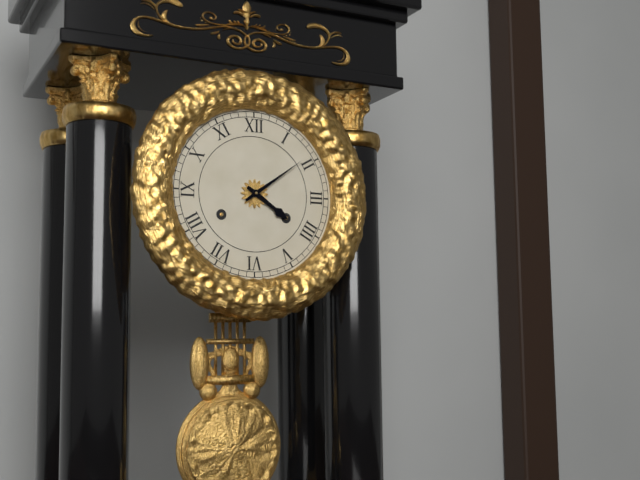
4:09
